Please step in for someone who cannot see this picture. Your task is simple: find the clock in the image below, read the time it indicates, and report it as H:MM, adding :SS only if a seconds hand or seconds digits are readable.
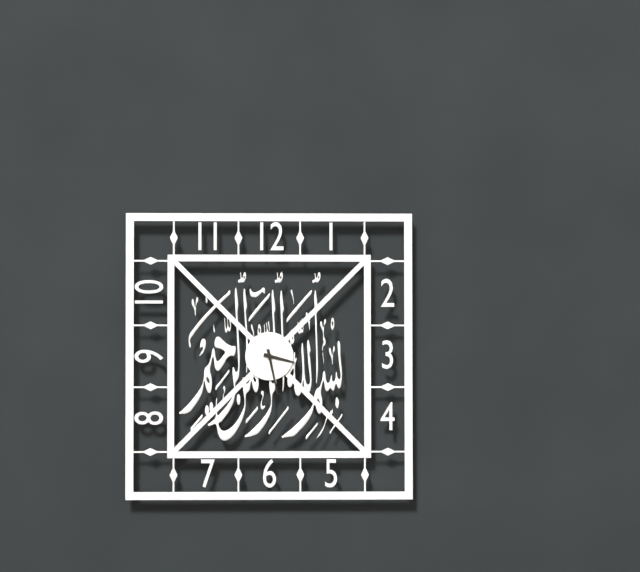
3:28
